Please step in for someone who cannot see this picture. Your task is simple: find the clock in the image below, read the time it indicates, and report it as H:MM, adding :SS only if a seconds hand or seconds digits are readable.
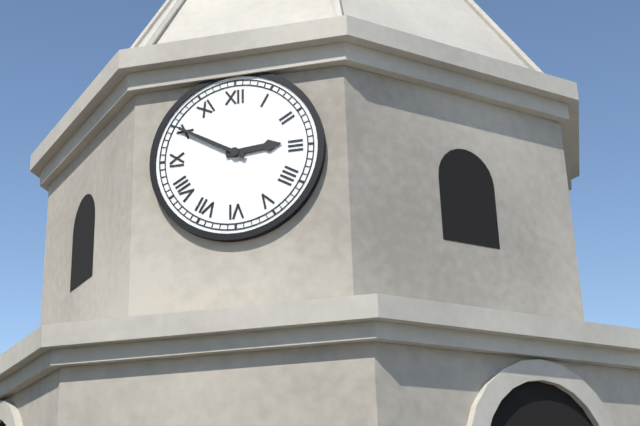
2:50
